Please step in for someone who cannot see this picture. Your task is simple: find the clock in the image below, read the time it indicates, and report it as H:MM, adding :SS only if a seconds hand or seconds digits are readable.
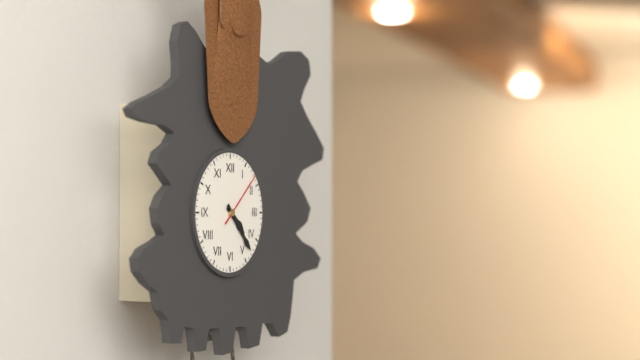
4:23:08
